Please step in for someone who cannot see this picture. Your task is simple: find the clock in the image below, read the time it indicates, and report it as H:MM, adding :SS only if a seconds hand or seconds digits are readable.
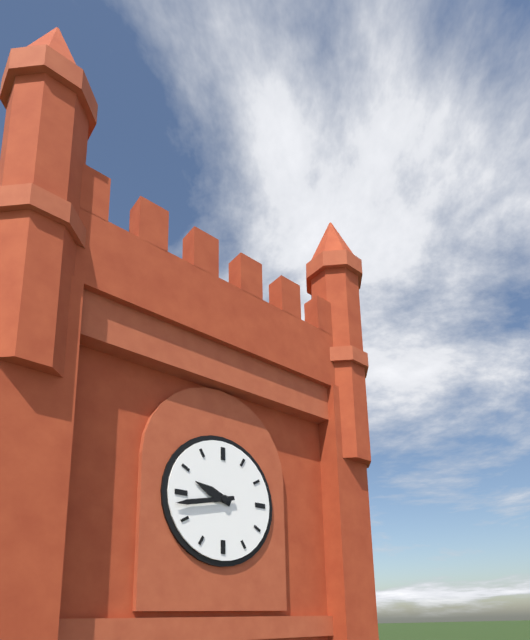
9:43
